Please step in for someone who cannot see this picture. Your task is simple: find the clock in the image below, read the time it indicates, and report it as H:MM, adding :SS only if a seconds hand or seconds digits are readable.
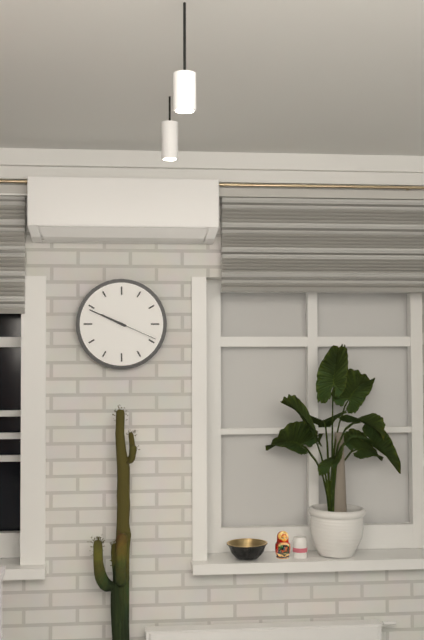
9:49
